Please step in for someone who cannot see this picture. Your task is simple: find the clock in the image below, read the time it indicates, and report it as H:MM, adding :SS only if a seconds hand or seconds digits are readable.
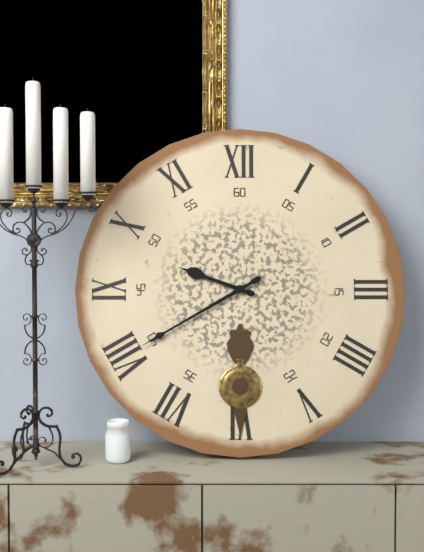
9:40
